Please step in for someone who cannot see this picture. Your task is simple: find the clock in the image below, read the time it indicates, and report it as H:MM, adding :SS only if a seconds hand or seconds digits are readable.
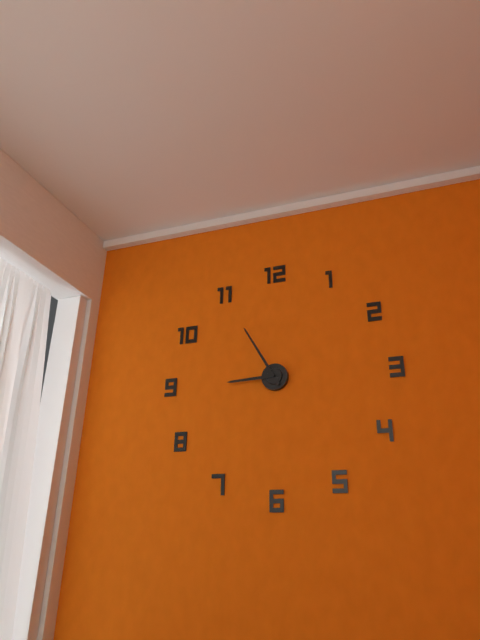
8:55
